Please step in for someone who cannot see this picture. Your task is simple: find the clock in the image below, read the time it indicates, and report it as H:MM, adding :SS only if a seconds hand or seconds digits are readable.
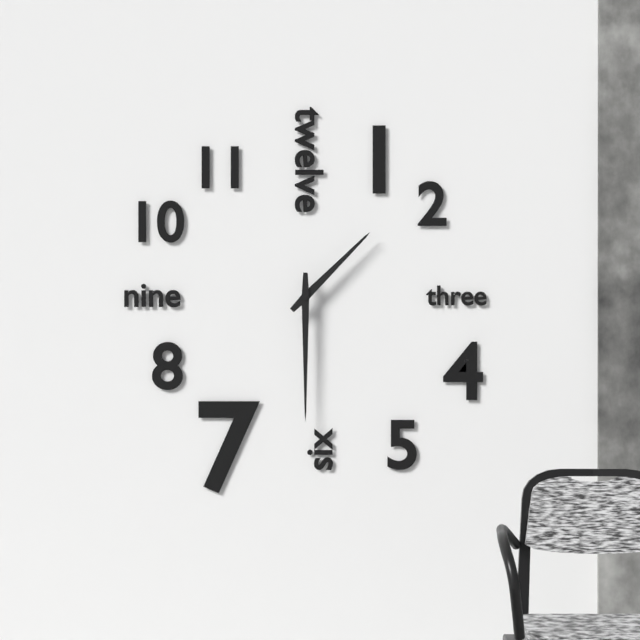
1:30
